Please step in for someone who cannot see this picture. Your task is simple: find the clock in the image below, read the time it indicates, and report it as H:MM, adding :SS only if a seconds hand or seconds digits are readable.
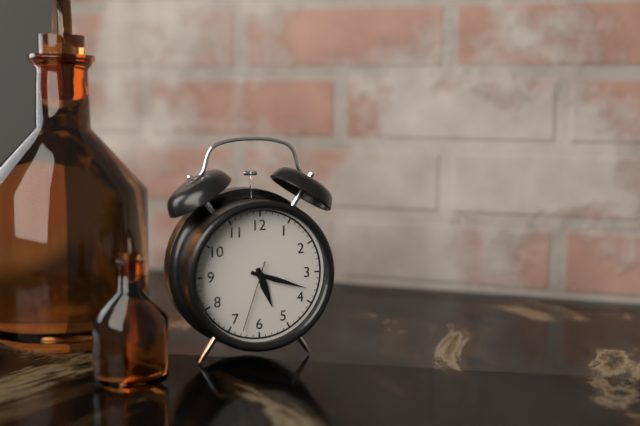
5:18:33
